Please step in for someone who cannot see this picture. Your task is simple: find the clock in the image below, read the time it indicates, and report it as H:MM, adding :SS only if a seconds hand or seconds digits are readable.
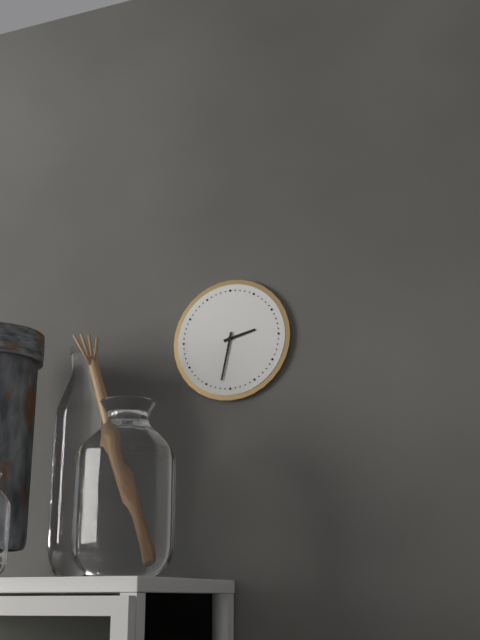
2:32
